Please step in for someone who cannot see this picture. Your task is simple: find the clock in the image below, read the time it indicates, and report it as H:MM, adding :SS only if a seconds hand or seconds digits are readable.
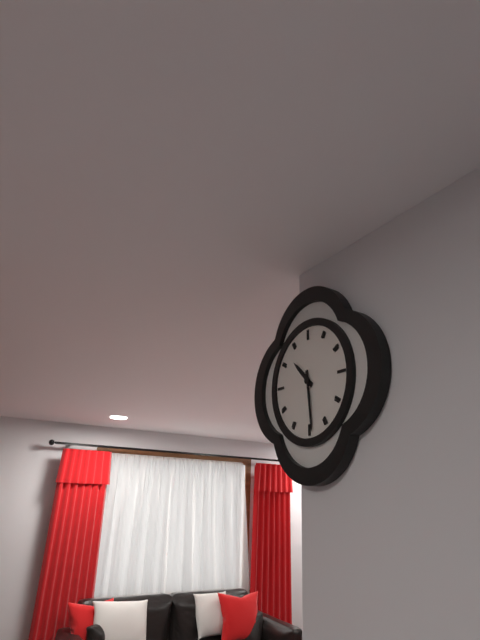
10:29
